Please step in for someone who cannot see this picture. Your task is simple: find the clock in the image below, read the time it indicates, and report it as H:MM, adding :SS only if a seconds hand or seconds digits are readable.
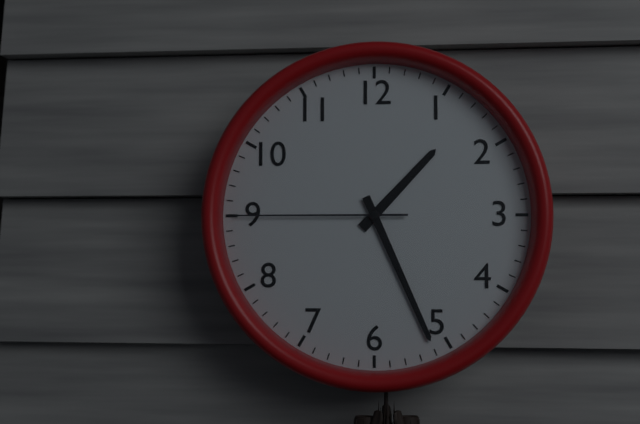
1:26:45
